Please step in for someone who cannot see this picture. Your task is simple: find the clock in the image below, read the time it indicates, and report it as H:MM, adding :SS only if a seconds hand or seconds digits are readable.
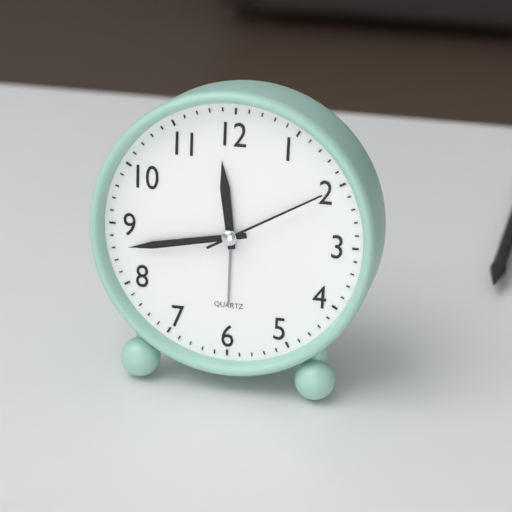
11:43:10
